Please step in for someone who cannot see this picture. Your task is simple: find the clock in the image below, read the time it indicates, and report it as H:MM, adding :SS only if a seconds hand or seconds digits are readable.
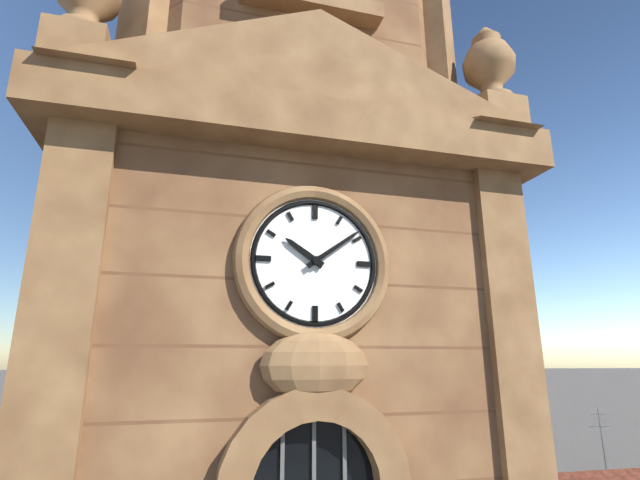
10:09
